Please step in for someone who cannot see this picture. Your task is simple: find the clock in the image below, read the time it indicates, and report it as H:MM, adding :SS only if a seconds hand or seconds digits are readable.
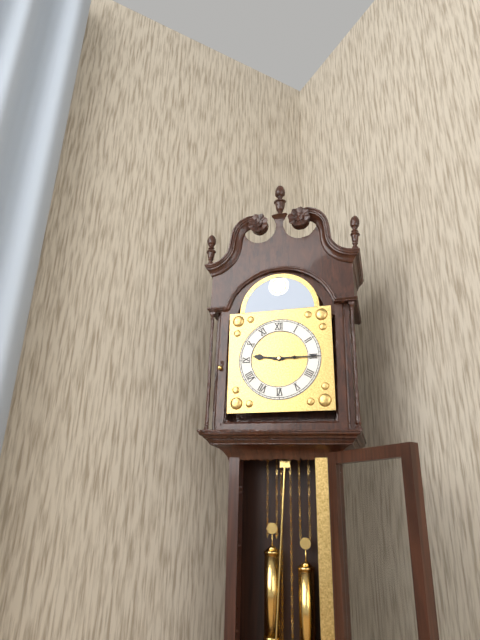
9:15
